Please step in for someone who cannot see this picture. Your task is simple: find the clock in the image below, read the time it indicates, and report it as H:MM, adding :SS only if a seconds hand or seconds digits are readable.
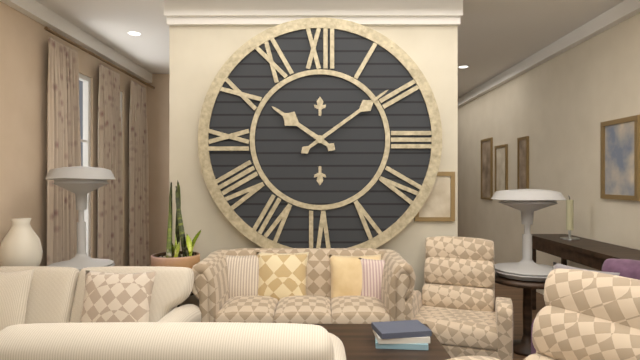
10:09
